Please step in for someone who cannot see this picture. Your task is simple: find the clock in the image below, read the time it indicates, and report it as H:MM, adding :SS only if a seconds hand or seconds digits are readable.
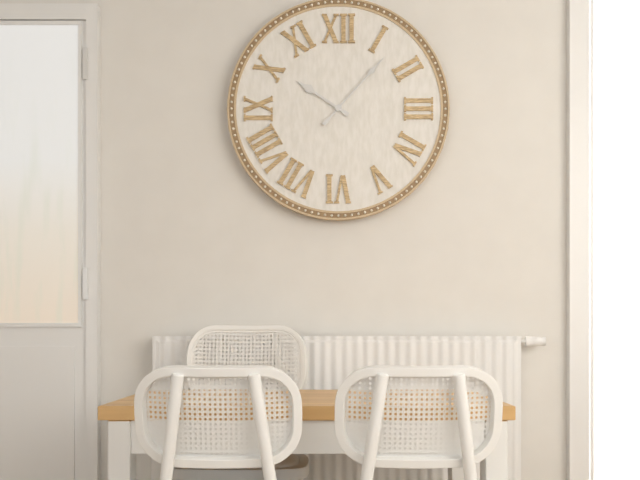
10:07
